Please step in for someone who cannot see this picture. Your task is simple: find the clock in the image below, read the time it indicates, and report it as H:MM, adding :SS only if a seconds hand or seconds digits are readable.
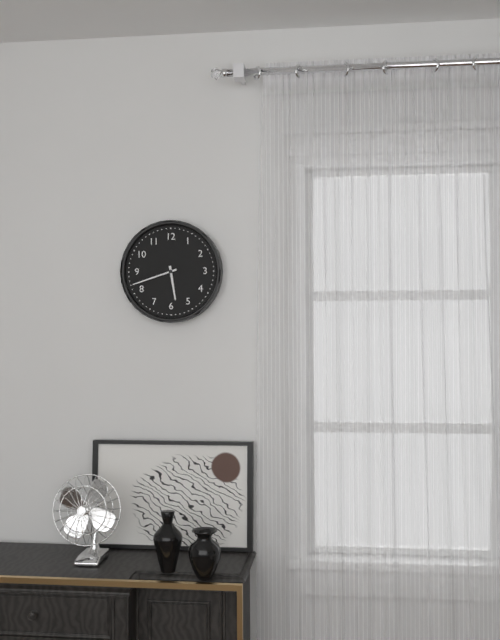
5:42
